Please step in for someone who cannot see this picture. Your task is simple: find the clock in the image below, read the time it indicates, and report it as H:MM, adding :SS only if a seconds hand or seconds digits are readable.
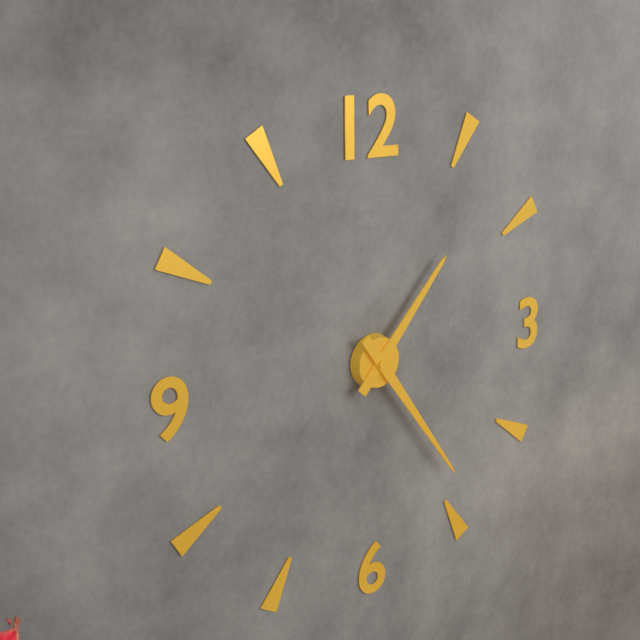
1:24
